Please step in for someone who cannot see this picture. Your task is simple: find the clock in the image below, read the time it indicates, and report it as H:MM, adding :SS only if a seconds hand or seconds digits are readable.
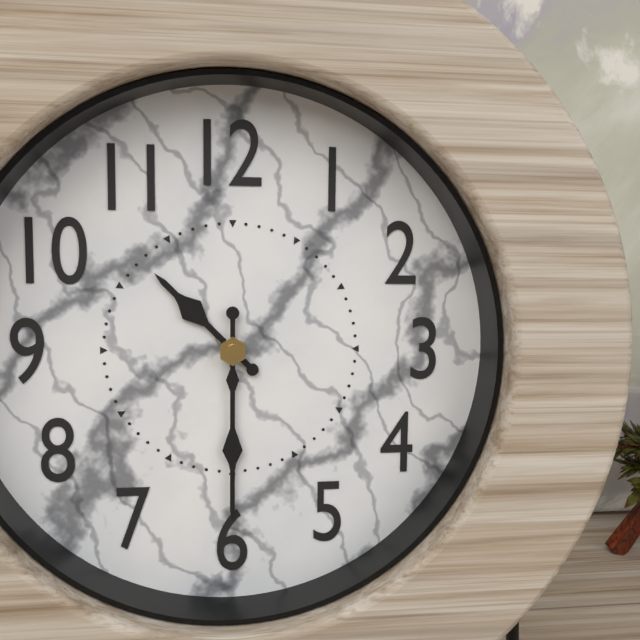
10:30
